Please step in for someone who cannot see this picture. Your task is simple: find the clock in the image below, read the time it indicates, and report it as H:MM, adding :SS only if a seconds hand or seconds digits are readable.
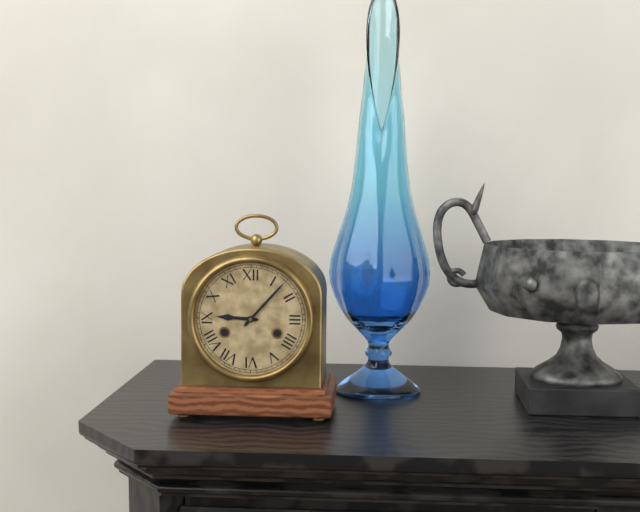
9:07
